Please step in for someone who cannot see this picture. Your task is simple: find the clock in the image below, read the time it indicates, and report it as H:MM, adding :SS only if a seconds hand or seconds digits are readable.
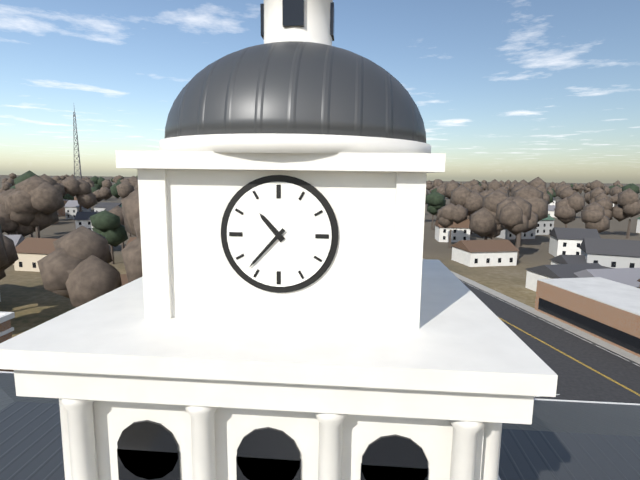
10:37
